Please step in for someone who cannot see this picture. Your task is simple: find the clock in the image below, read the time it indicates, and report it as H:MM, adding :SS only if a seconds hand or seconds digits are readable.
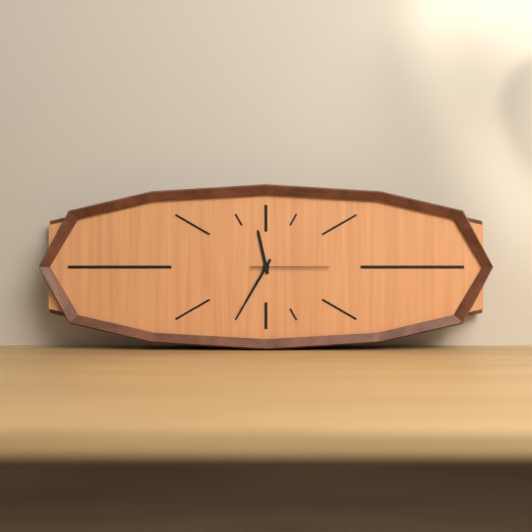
11:35:15
